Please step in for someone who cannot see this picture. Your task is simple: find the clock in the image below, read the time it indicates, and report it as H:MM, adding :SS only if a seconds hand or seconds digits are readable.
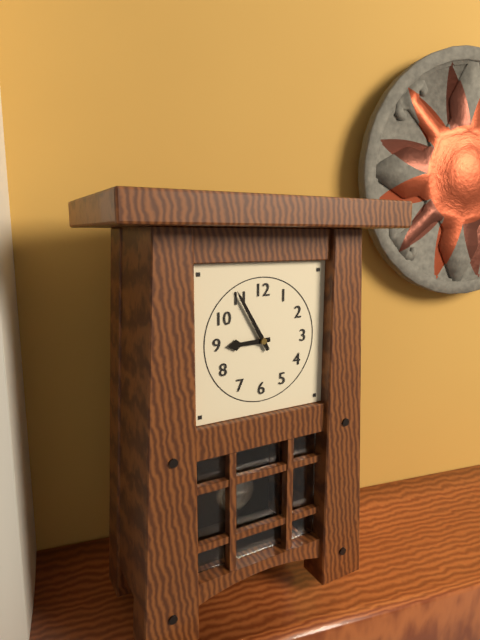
8:55
